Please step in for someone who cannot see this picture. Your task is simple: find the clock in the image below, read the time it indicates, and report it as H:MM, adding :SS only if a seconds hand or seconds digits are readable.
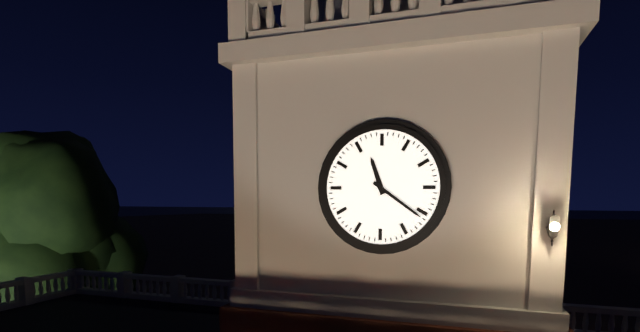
11:21
